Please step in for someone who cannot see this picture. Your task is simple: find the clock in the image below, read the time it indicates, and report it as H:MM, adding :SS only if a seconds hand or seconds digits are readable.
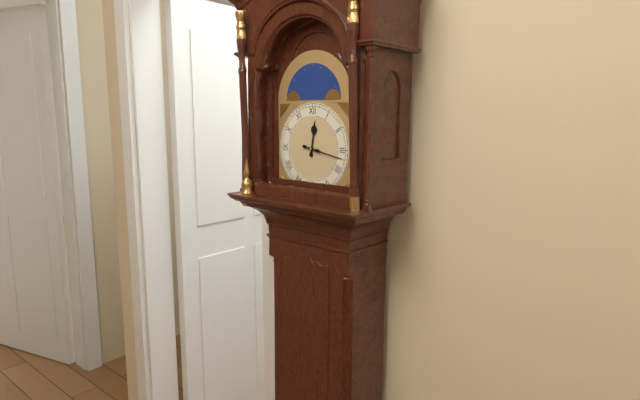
12:17
